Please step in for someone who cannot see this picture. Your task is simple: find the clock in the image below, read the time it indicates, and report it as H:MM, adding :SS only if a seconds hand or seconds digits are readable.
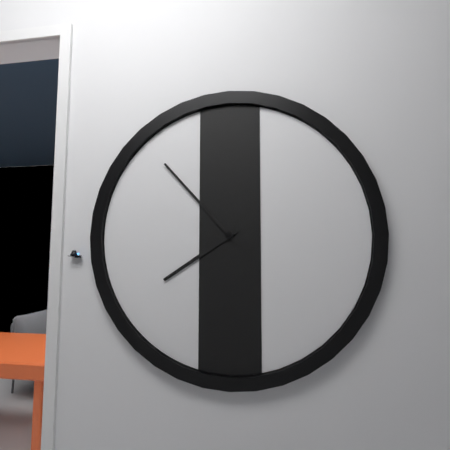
7:53
